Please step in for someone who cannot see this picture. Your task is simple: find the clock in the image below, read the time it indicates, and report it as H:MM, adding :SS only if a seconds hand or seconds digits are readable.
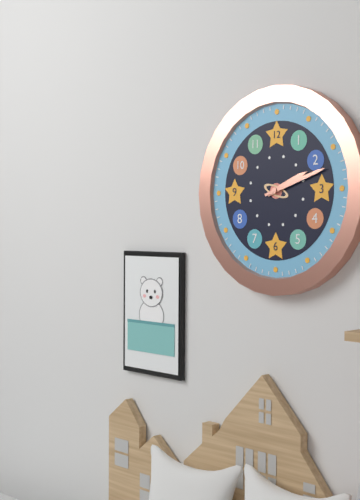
2:12
